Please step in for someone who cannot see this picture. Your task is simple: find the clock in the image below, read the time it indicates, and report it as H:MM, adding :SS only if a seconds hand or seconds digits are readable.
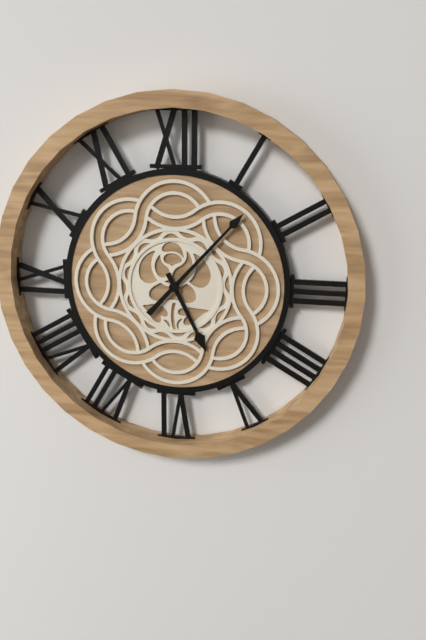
5:07
